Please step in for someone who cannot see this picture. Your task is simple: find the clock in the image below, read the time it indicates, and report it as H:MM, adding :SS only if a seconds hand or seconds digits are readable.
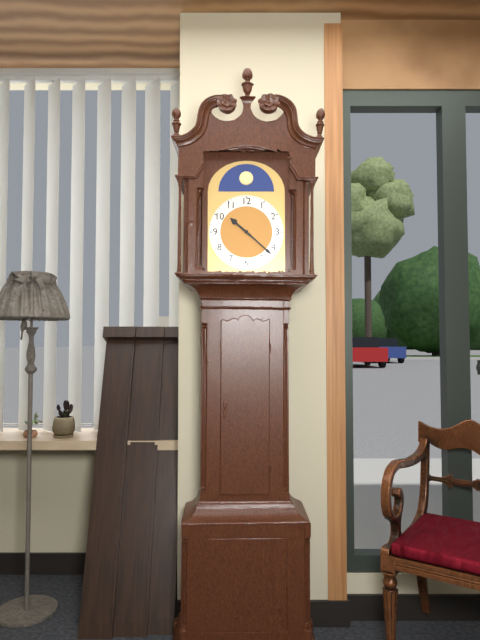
10:22
